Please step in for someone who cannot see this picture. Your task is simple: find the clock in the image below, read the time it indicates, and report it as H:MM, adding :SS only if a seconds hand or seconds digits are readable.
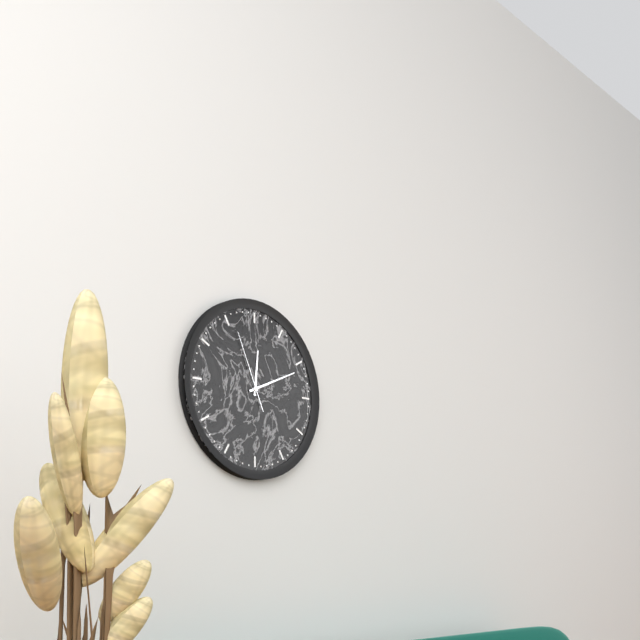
12:11:56
